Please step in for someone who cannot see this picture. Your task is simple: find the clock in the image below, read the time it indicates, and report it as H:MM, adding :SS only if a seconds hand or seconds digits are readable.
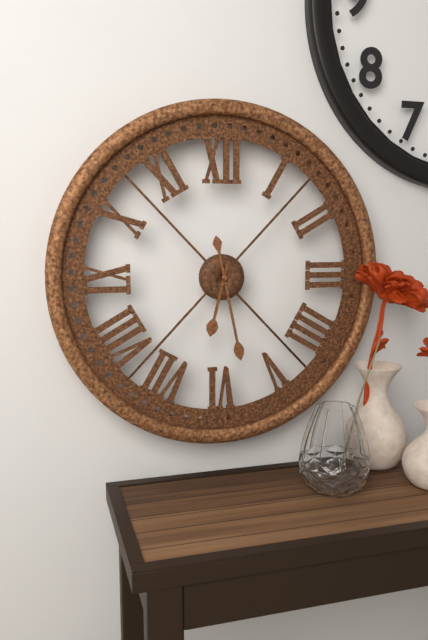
6:28
